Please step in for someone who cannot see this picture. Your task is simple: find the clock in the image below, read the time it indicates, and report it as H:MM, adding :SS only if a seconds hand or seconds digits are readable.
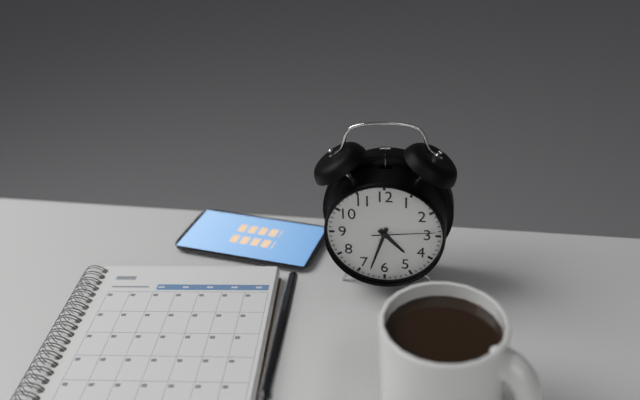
4:33:14
